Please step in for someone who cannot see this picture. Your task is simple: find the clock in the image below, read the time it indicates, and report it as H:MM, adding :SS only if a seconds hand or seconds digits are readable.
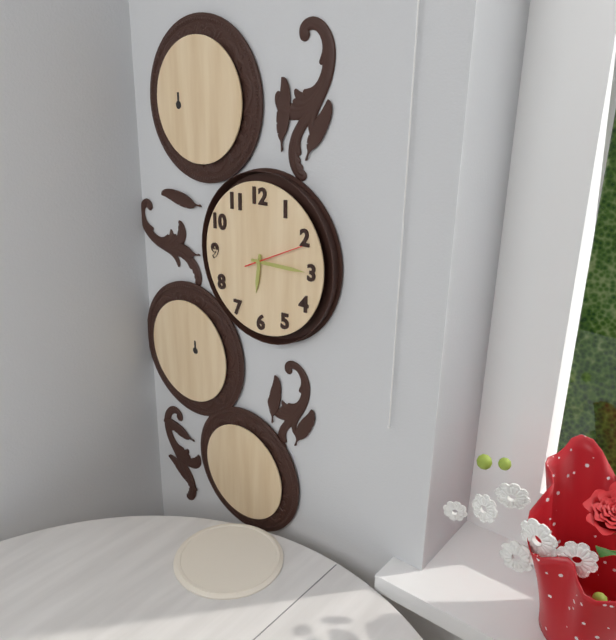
6:15:11
